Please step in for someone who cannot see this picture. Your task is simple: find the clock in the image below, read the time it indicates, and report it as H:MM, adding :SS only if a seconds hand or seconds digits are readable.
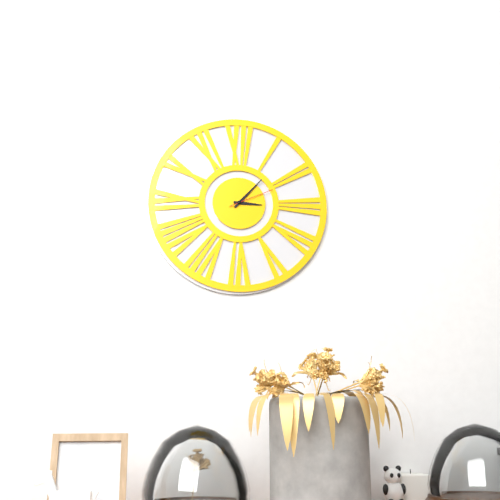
3:07
